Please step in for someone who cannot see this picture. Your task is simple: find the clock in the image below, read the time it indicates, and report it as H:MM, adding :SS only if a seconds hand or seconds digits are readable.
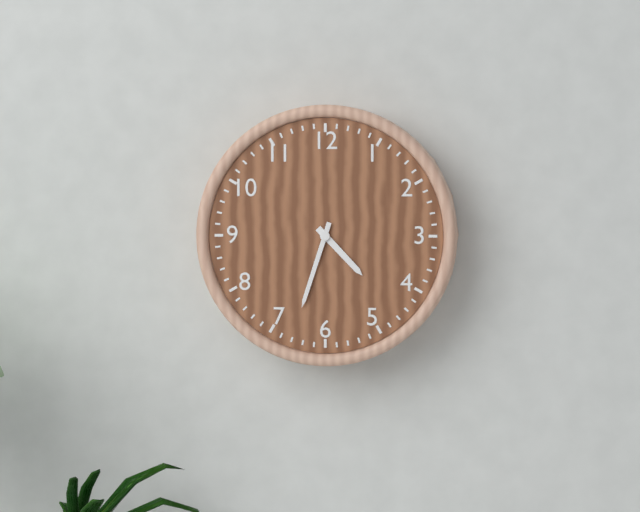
4:33
